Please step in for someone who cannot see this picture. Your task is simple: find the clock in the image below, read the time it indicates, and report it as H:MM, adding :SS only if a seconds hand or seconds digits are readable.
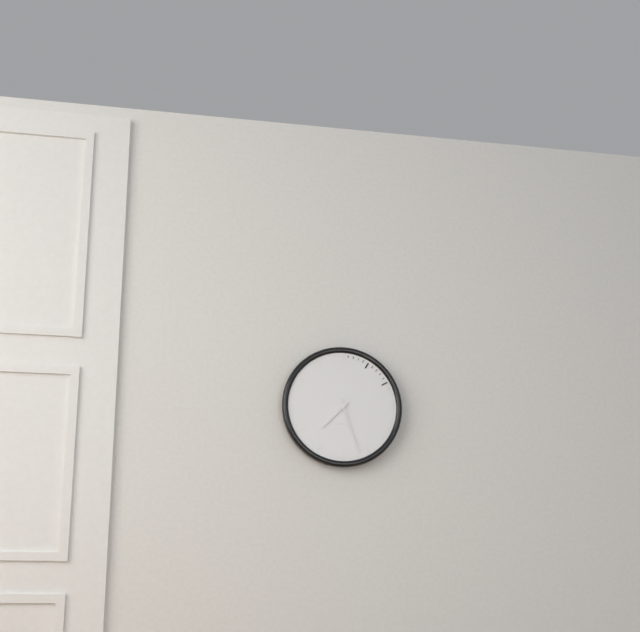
7:27
